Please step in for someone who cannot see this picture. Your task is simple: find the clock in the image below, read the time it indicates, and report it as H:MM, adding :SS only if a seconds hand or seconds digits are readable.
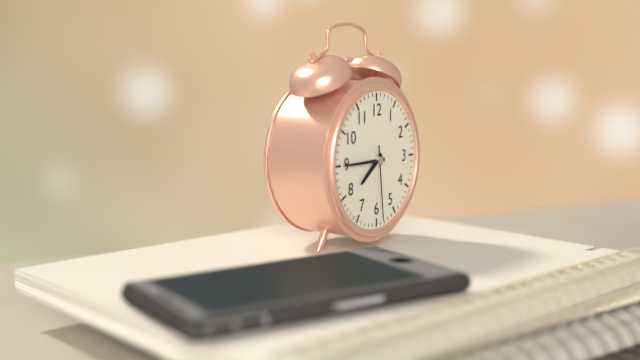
7:45:29
